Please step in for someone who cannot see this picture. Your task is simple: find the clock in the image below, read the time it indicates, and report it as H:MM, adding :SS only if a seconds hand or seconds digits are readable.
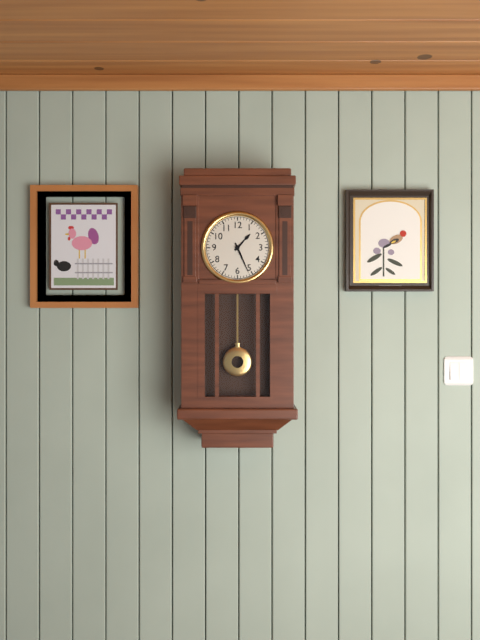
1:26
